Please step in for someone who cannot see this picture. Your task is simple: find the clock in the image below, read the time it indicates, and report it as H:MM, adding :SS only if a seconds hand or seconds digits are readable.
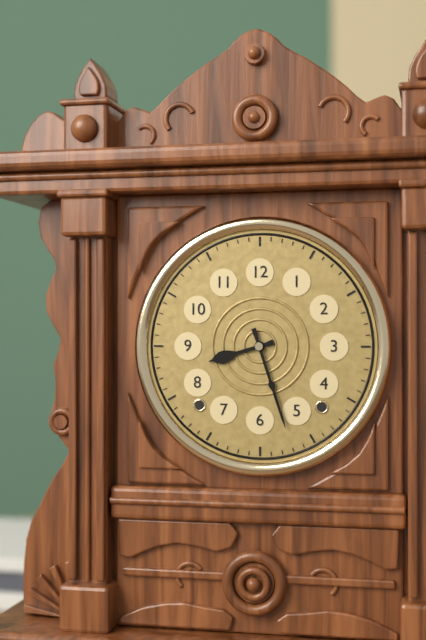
8:27
